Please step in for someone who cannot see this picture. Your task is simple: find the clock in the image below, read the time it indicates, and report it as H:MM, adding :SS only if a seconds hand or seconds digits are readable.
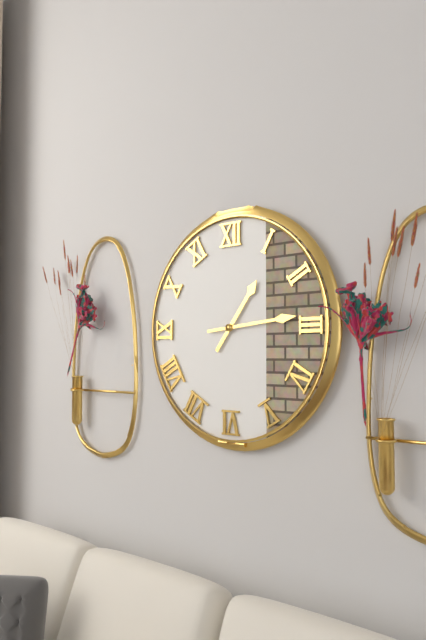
1:14
